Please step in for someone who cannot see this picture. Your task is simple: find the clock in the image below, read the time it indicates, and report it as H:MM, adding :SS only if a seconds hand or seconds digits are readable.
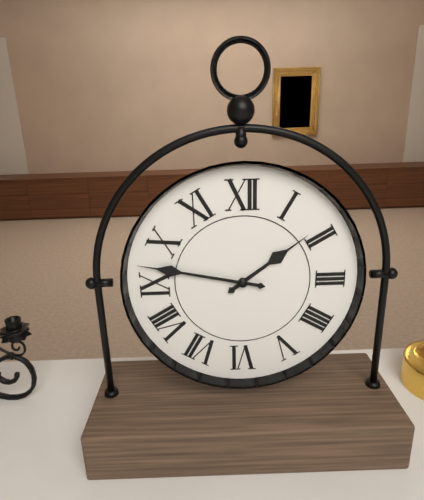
1:47
